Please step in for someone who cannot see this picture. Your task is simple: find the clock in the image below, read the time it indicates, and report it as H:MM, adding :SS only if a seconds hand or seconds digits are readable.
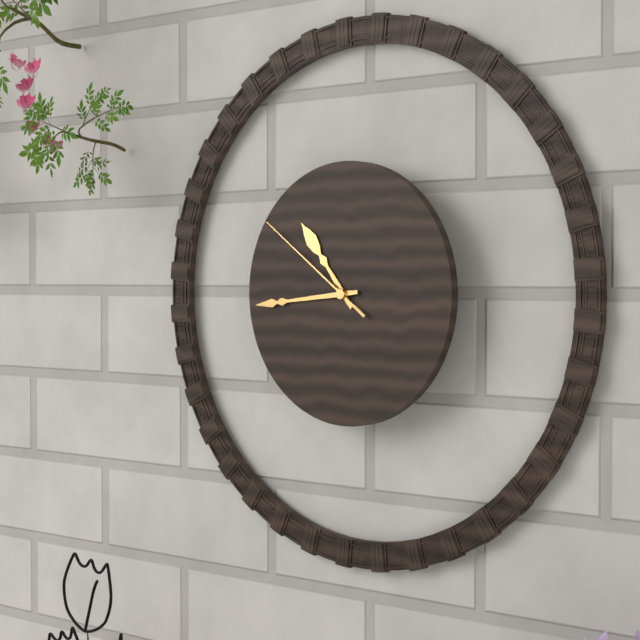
10:44:51
